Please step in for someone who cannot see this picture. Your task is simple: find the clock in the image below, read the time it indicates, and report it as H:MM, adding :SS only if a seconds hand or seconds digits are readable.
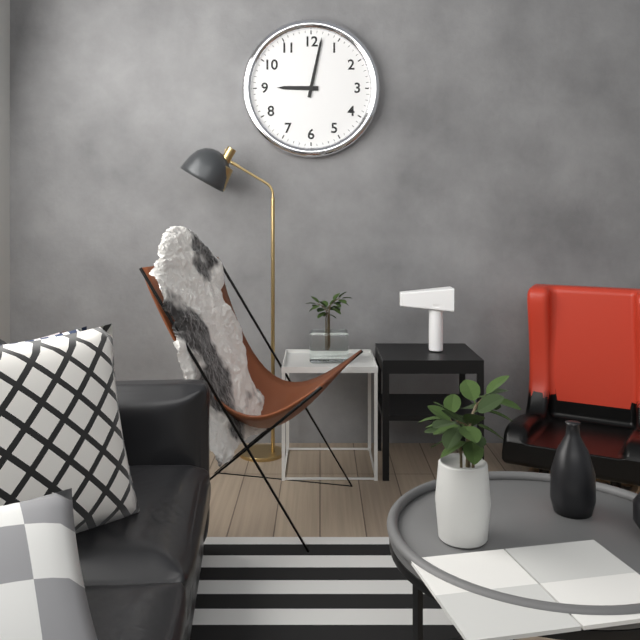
9:02
